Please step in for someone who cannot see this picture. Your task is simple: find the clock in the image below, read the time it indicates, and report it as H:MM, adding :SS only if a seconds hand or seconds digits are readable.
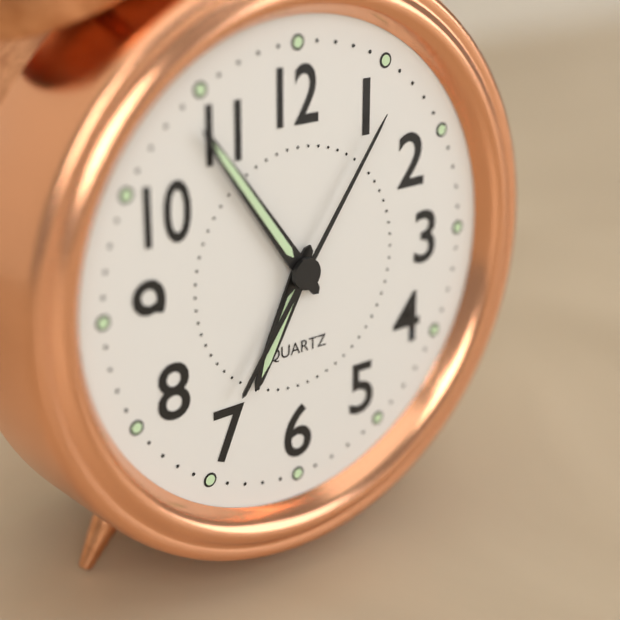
6:54:06
